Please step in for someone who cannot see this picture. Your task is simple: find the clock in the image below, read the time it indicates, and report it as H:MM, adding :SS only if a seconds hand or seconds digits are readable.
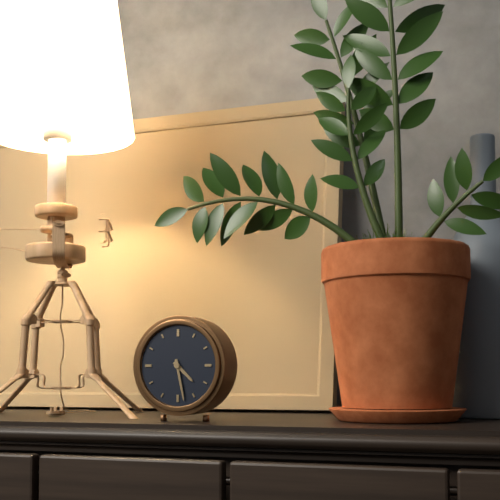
4:28
